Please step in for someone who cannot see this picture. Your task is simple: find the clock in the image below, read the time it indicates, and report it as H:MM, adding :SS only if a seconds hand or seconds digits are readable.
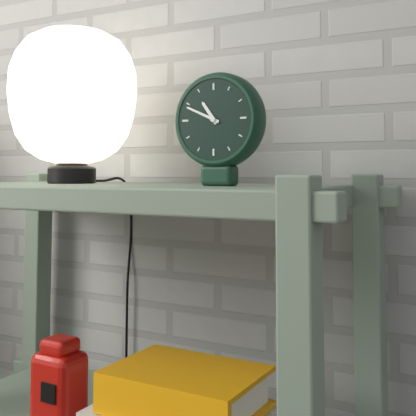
10:49
